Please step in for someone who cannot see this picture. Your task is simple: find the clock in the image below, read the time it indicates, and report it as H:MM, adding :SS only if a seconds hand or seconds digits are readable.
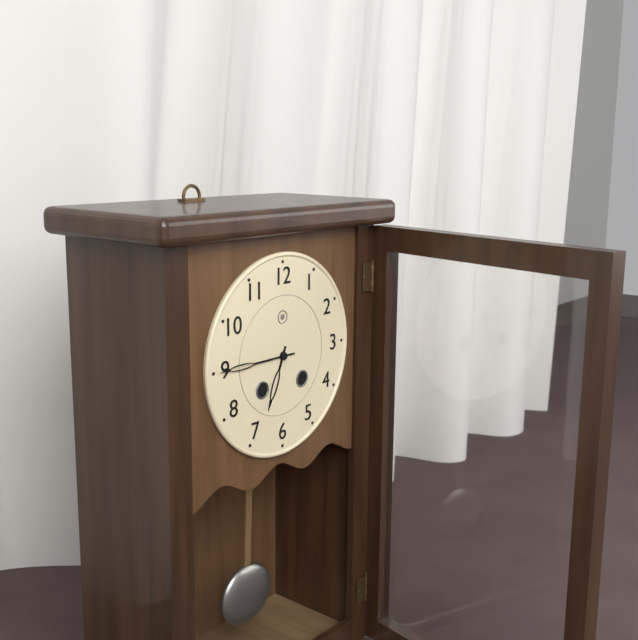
6:45
